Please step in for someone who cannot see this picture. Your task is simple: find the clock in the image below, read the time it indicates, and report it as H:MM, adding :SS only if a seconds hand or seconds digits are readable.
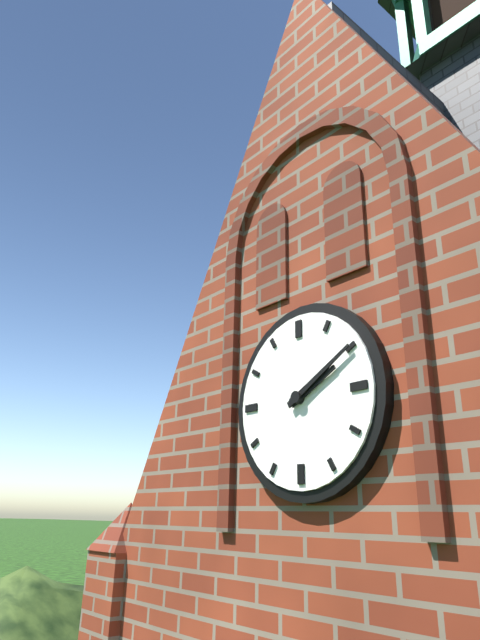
2:10
